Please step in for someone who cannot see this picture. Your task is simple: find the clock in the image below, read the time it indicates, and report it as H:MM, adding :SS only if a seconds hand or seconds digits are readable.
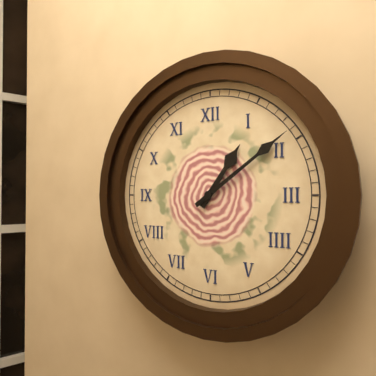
1:09
